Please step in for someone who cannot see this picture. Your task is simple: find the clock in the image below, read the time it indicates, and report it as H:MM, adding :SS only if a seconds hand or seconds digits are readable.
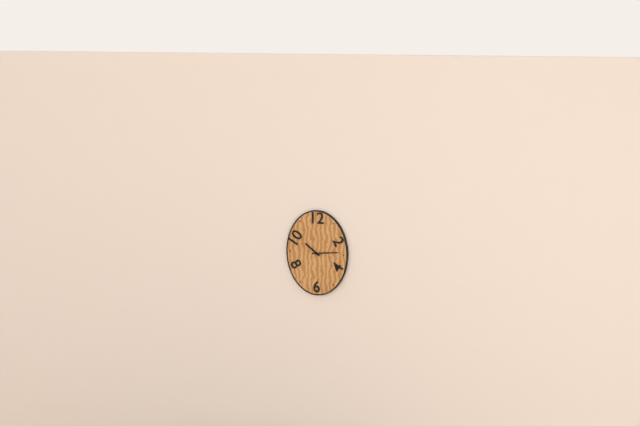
10:14
